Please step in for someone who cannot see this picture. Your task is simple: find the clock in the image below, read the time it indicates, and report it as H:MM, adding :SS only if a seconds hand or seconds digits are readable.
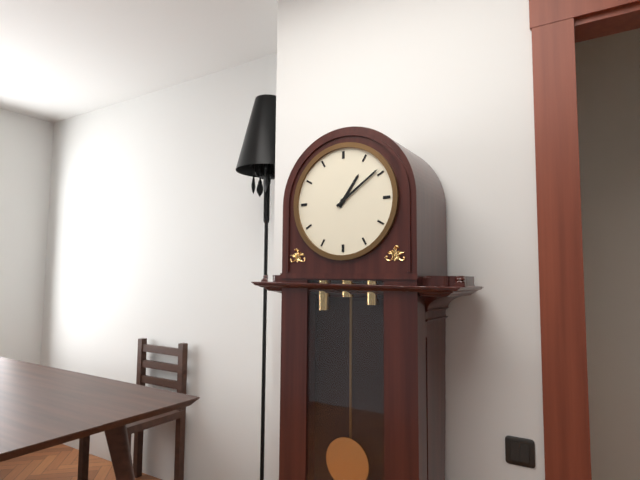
1:09
